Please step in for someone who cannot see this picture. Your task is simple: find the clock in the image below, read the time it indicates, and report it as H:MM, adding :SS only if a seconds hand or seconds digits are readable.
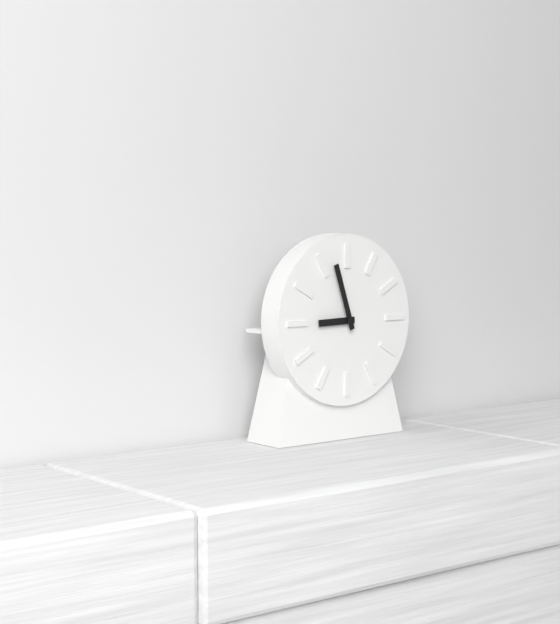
8:57
